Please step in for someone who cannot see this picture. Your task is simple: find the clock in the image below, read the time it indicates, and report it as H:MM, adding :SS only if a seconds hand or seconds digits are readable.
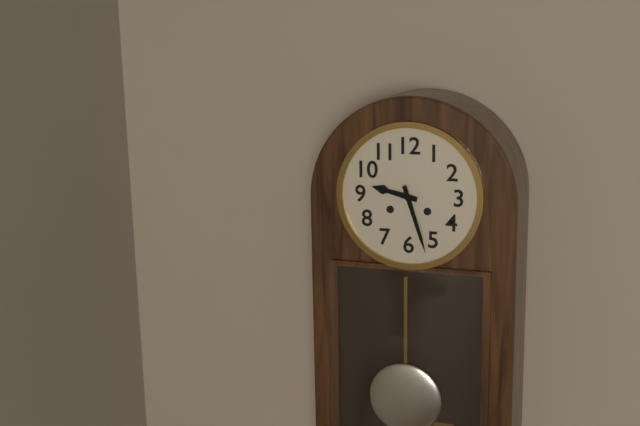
9:27
